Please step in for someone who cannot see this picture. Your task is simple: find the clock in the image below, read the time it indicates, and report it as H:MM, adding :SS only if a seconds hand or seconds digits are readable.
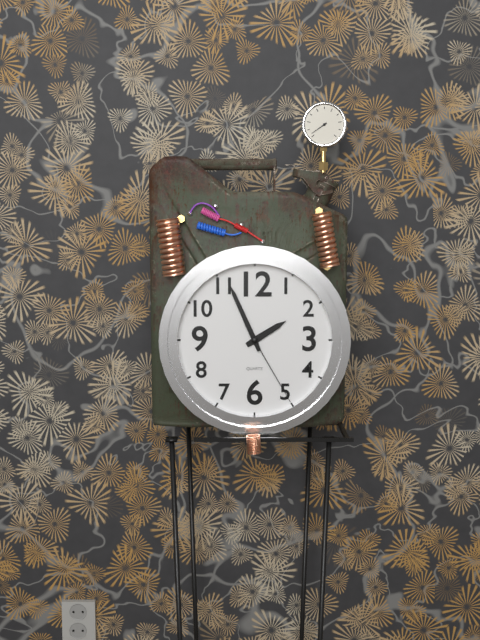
1:56:25
